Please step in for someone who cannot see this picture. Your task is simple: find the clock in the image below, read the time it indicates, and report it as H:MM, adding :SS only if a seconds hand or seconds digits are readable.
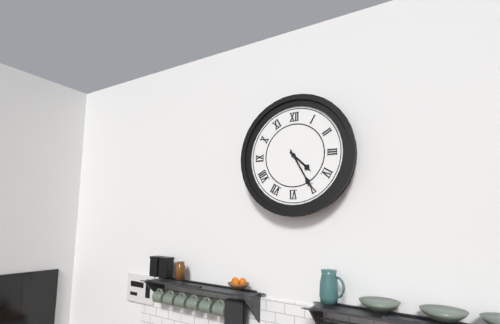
4:25
